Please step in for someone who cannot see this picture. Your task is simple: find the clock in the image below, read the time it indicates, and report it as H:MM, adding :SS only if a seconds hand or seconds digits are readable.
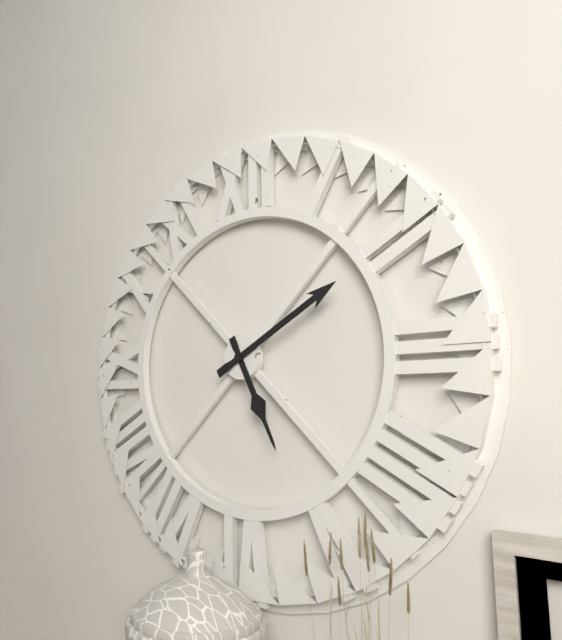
5:10
